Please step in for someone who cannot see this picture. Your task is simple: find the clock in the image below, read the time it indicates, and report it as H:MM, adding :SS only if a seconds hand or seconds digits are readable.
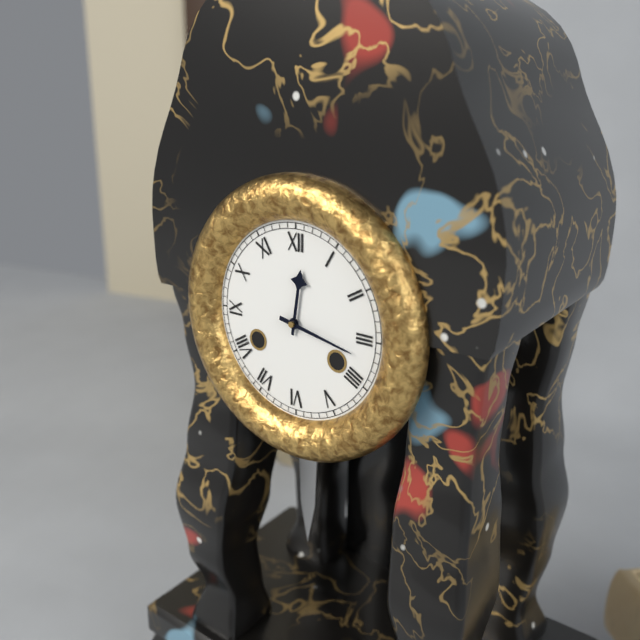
12:17
